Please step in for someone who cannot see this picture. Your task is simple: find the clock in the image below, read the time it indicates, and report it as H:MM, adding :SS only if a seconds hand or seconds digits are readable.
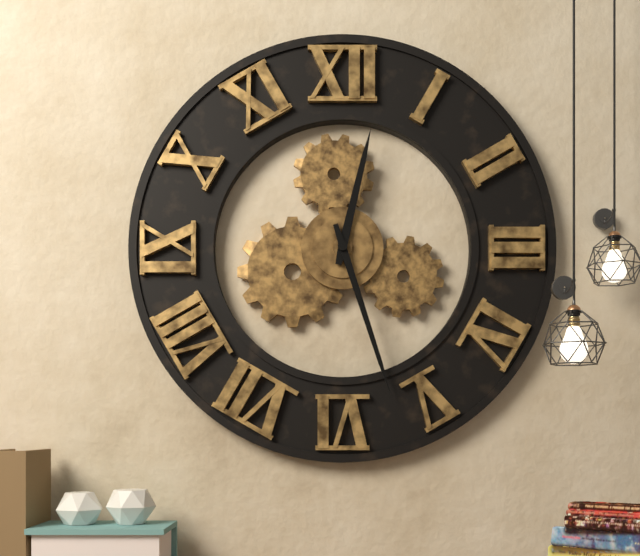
12:27
